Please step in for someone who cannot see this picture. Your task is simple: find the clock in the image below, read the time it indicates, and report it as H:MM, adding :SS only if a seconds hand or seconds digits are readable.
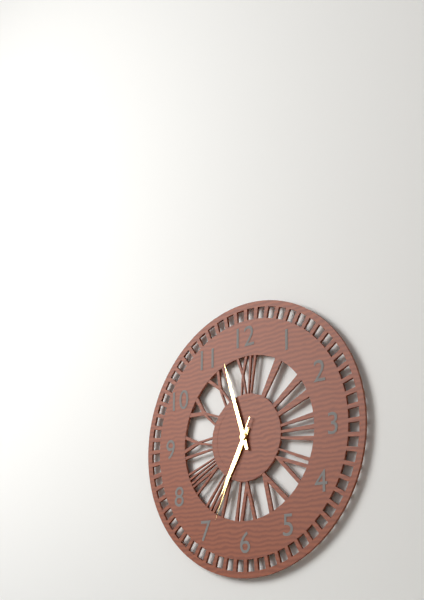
6:57:34
